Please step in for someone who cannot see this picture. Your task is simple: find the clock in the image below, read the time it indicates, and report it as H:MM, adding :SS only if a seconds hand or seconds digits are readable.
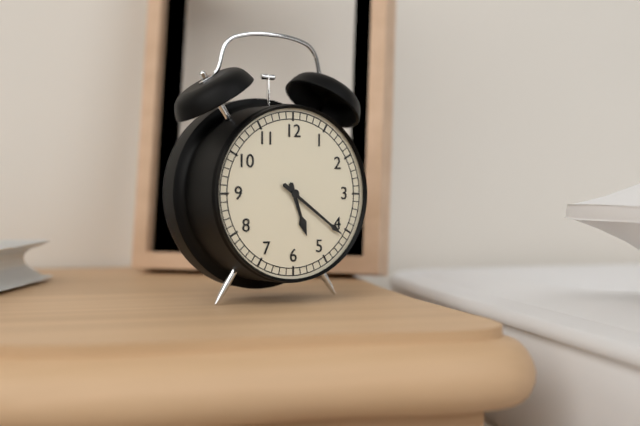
5:21
